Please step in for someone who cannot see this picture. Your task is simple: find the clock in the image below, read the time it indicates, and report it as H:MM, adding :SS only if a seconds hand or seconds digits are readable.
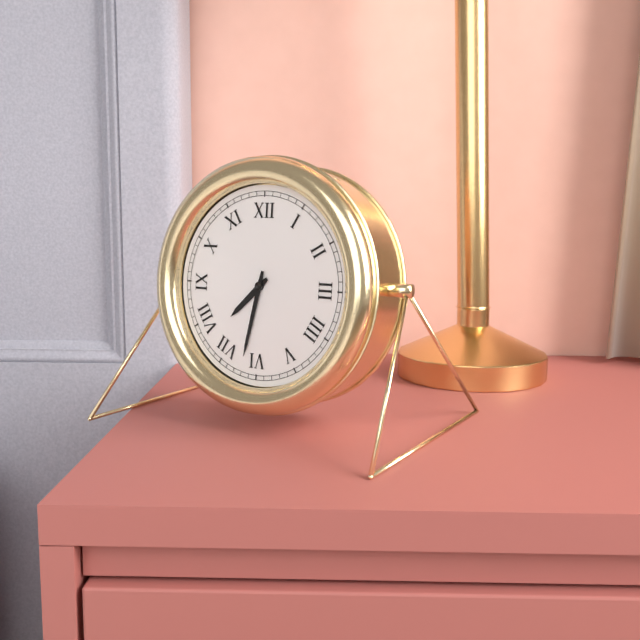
7:32
